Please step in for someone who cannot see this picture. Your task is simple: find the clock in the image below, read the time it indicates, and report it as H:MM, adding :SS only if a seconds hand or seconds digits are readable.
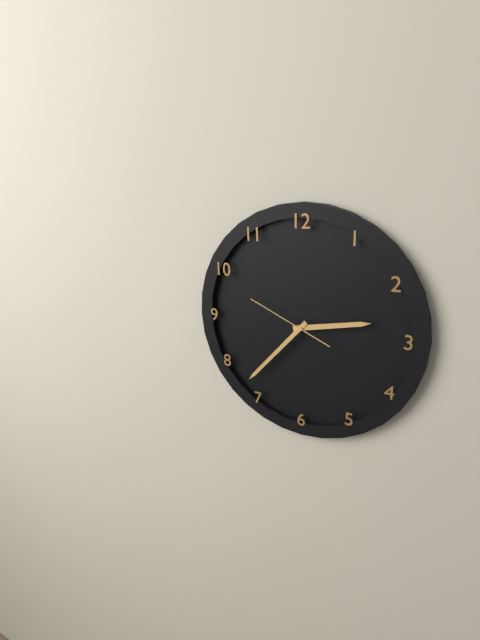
2:37:49
